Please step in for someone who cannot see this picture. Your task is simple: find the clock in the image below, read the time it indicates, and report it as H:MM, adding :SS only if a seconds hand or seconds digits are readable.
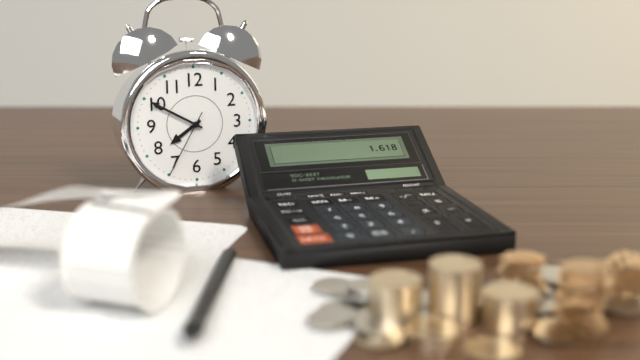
7:50:35
